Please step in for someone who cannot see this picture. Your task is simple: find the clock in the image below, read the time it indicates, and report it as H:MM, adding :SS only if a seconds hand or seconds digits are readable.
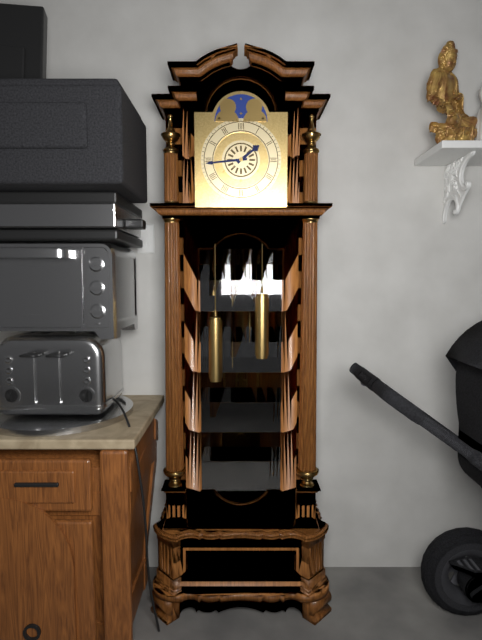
1:44
